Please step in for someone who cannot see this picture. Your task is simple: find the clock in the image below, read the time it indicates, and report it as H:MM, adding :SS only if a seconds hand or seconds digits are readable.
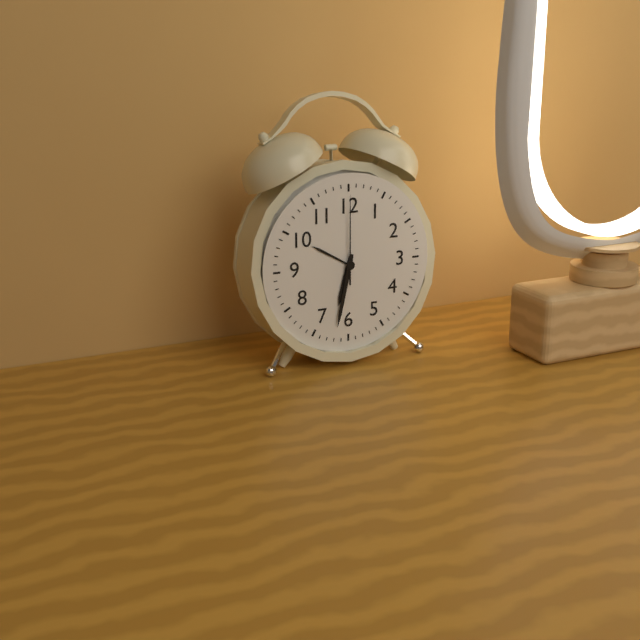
6:32:00
